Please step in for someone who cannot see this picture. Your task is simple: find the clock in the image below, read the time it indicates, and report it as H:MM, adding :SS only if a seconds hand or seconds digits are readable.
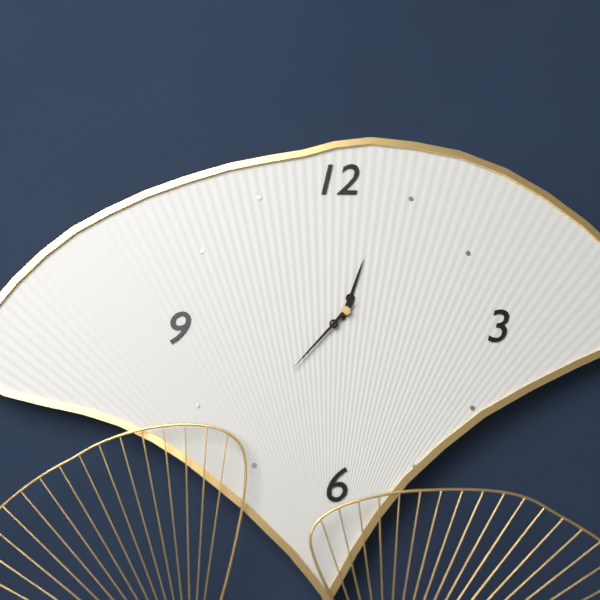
12:37
